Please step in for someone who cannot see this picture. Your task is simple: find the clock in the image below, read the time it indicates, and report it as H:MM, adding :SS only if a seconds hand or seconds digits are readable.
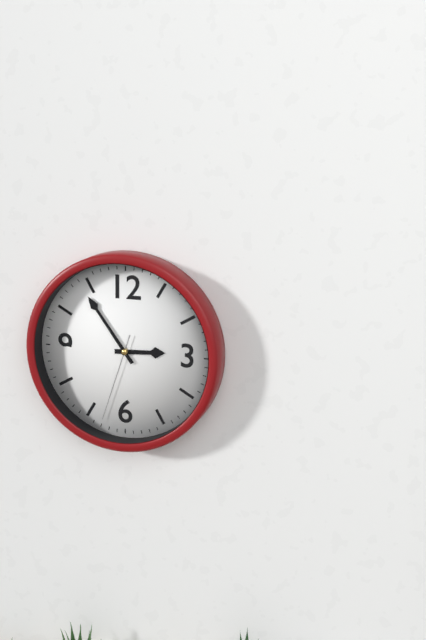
2:54:33
